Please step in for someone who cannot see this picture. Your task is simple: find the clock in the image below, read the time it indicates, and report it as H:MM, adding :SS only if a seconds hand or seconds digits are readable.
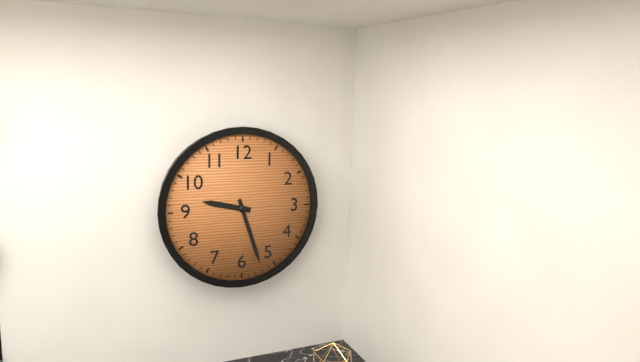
9:27
